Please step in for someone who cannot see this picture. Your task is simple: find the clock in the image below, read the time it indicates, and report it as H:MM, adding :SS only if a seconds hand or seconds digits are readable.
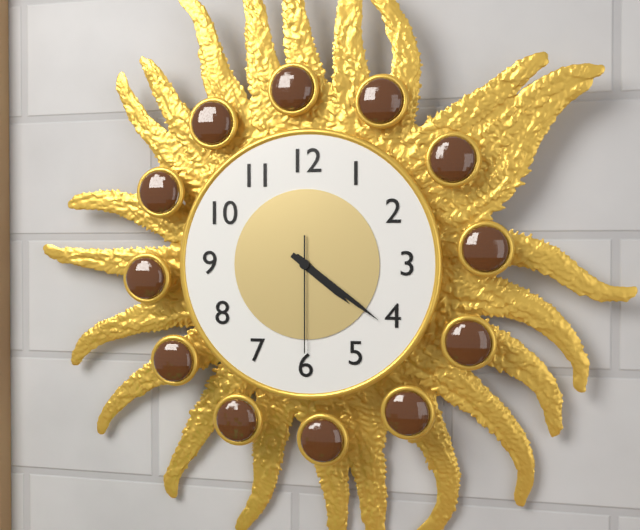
4:21:30
